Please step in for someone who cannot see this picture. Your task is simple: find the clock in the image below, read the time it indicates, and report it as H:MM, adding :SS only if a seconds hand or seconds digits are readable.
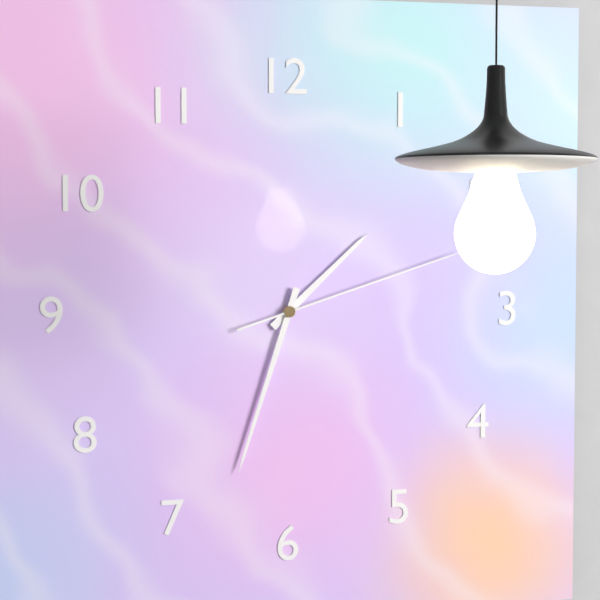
1:33:12
